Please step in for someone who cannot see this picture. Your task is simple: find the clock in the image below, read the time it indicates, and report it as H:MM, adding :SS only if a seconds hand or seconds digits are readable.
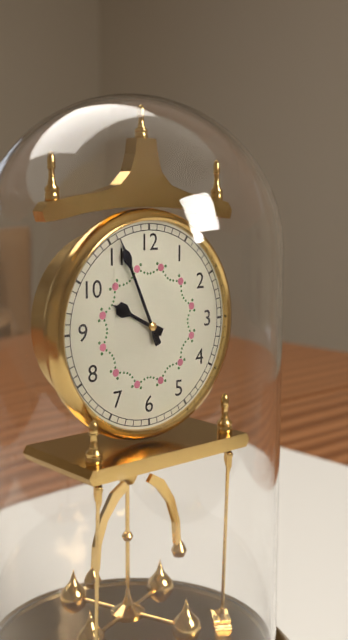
9:56
